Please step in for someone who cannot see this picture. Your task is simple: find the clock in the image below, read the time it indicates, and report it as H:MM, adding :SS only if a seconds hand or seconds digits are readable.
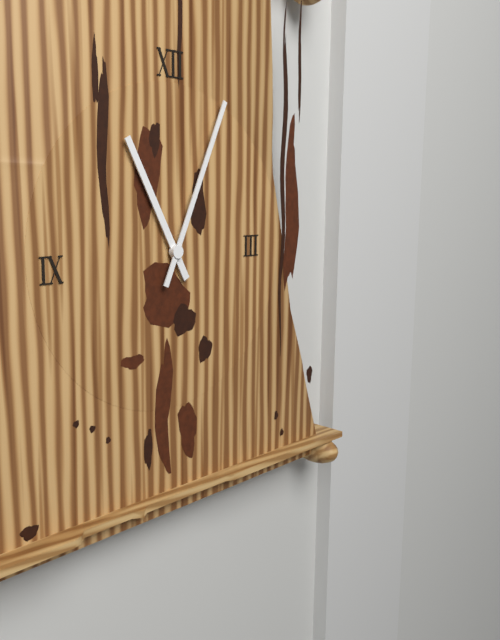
11:04
